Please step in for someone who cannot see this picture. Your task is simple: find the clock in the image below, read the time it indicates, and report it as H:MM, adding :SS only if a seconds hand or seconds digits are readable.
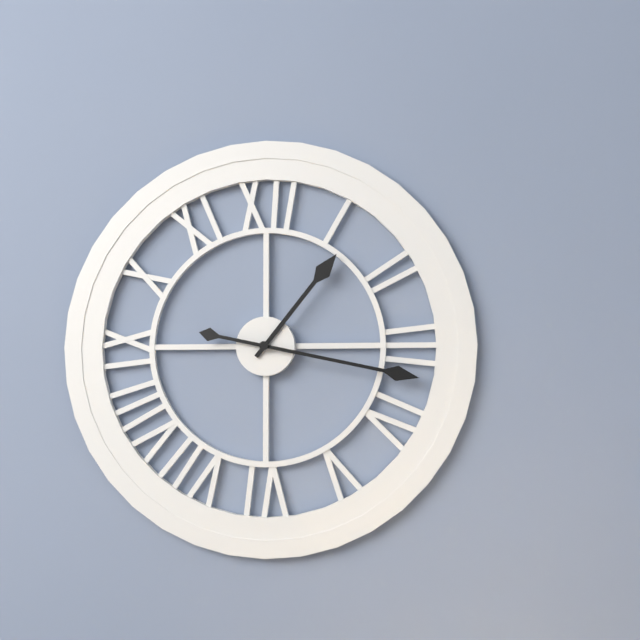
1:17
